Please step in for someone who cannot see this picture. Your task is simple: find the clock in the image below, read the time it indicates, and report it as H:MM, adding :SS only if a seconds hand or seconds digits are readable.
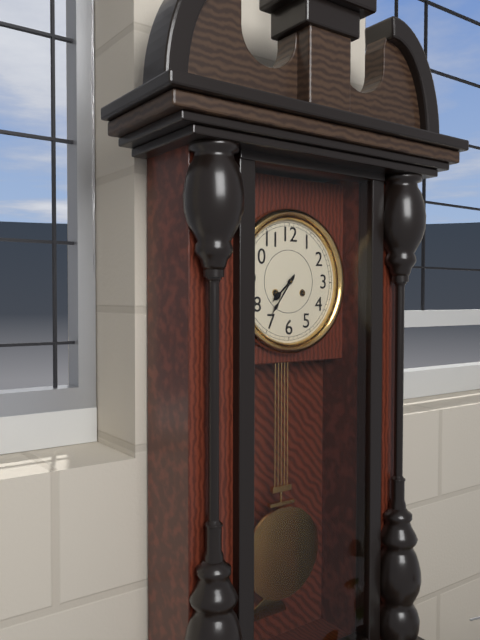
7:36
